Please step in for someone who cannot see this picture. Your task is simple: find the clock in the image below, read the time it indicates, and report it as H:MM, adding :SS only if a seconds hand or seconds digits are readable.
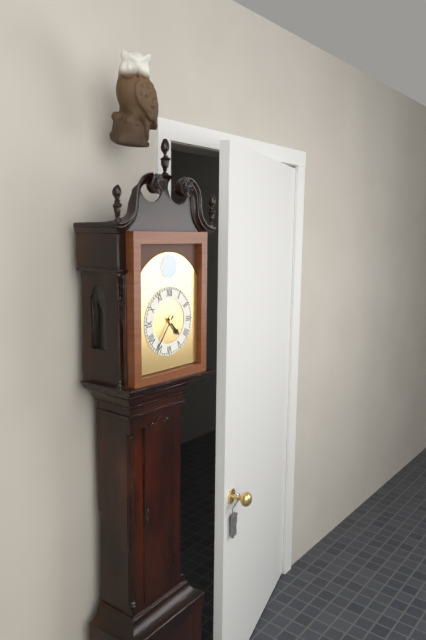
4:36
